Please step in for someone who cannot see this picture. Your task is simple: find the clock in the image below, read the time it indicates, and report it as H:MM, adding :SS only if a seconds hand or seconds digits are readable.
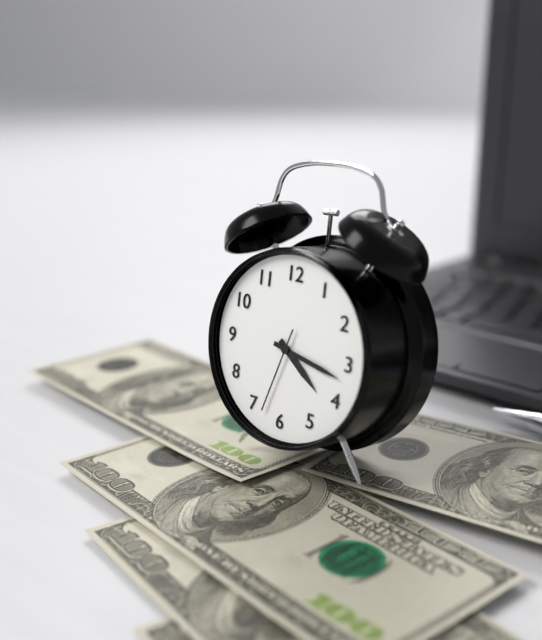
4:17:33
